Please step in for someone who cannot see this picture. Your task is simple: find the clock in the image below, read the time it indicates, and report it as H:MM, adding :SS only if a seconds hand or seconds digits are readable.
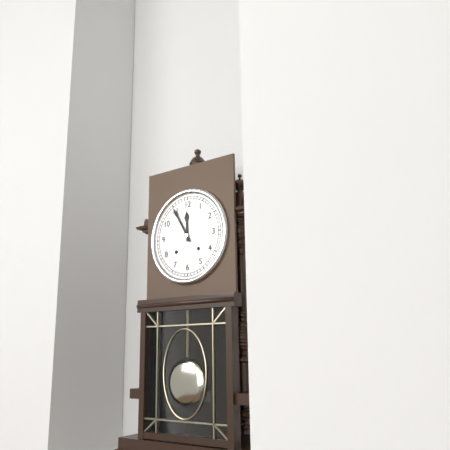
11:55
